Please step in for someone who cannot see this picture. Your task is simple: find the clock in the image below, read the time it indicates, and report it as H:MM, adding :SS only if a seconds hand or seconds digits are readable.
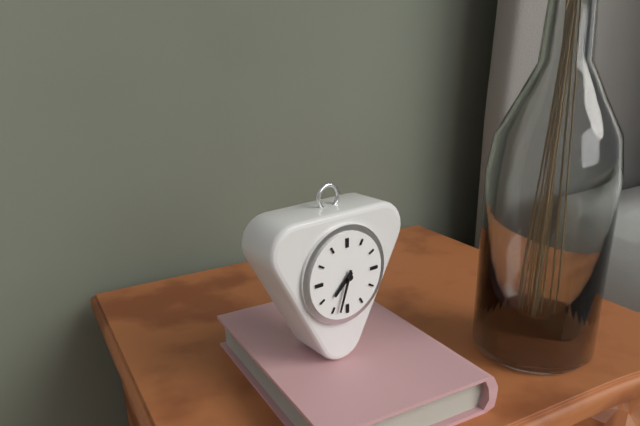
7:33
